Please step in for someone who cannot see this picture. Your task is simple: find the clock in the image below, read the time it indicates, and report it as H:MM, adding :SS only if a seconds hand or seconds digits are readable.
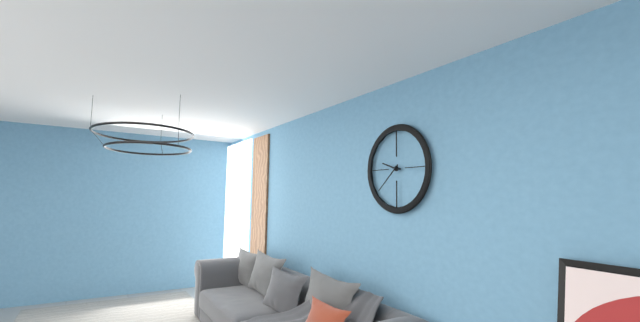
9:38
